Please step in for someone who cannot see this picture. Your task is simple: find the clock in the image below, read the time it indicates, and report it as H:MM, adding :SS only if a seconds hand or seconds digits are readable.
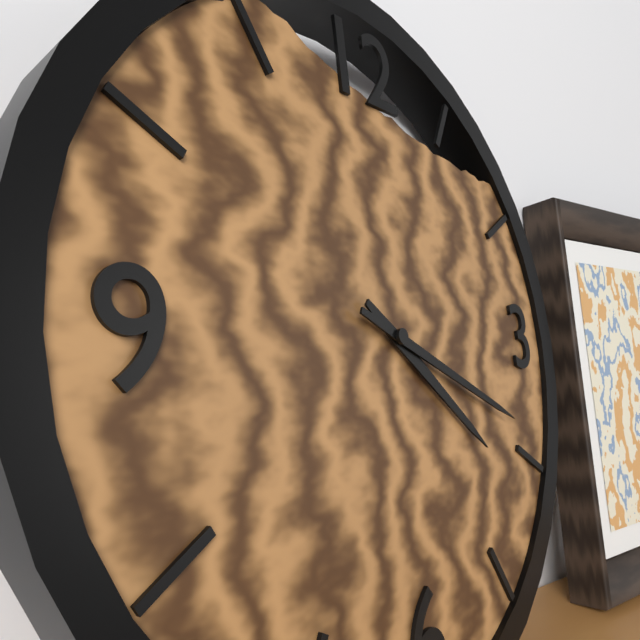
4:19
